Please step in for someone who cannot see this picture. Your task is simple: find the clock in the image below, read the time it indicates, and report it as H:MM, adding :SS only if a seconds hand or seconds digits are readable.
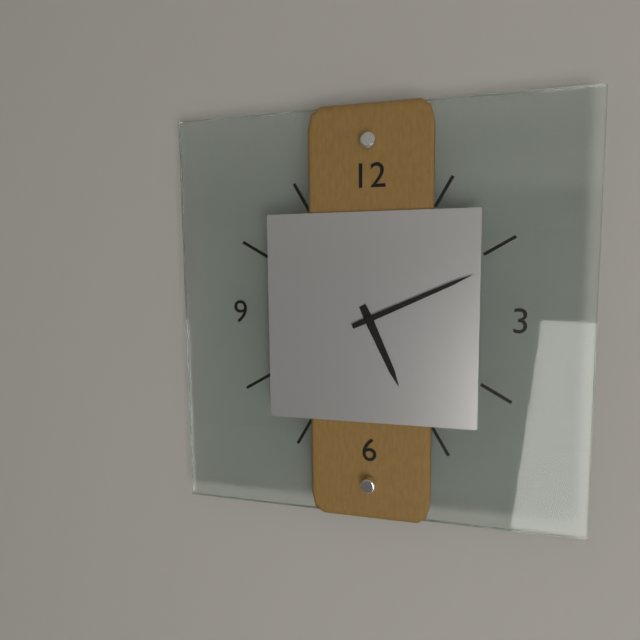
5:11
